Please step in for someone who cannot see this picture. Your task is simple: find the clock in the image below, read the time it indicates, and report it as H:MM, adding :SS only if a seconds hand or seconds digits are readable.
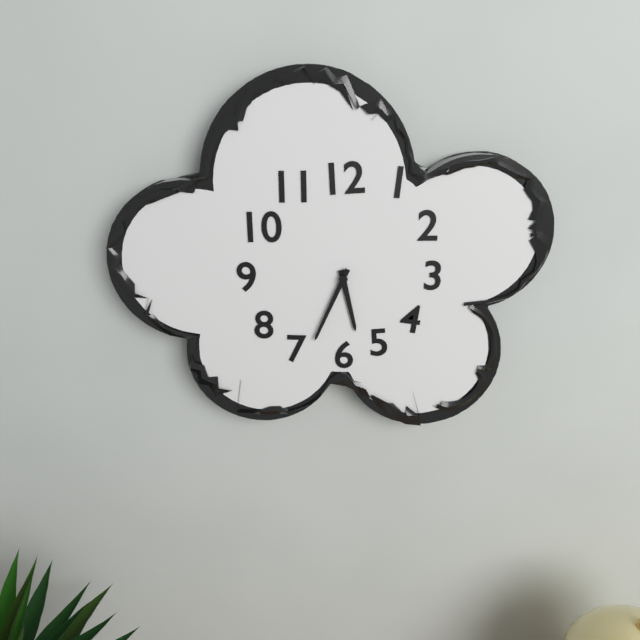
5:34
